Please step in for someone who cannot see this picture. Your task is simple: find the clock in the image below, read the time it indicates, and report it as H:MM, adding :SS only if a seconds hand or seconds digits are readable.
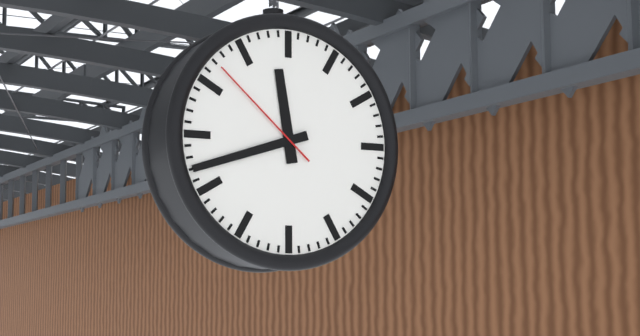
11:42:52
